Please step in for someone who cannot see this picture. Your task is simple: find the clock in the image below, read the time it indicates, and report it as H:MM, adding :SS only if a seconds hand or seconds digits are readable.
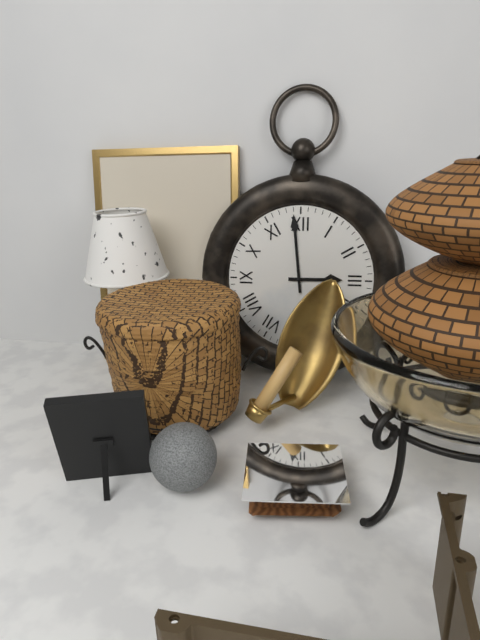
2:59
